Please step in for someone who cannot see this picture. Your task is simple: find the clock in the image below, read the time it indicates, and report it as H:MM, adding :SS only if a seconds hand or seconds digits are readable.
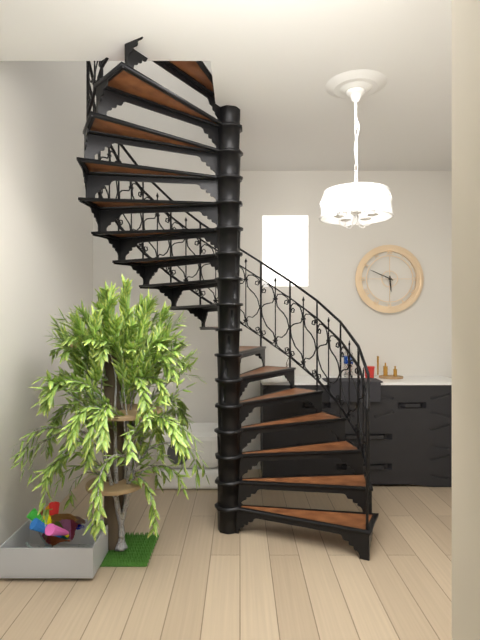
5:49
